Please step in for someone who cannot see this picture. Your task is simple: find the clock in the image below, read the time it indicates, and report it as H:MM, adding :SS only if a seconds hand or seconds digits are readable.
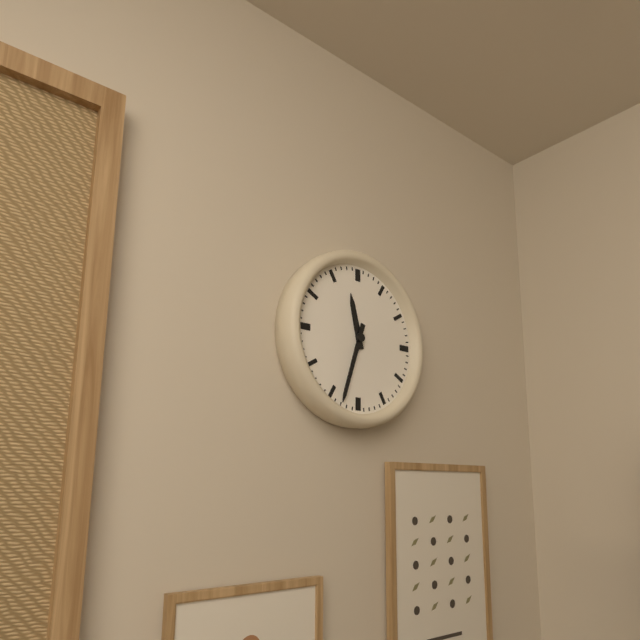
11:33
